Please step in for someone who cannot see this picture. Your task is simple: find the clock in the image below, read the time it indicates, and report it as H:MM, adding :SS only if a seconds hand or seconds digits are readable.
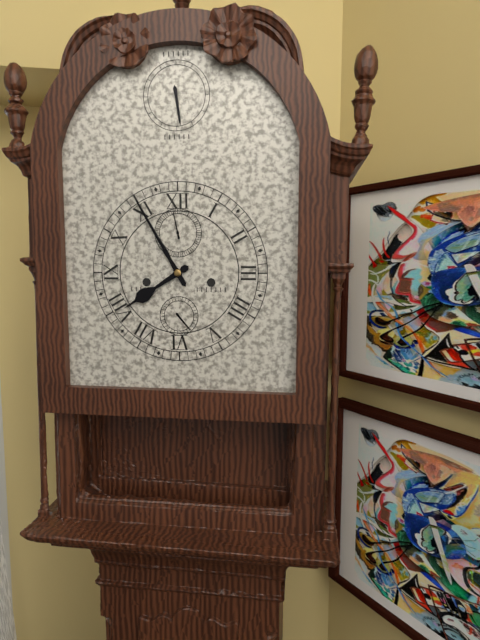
7:55
